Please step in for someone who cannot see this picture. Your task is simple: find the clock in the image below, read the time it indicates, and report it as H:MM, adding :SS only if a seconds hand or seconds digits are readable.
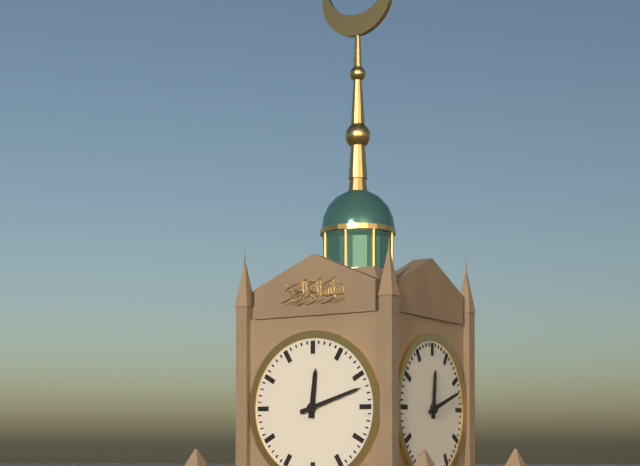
12:12
